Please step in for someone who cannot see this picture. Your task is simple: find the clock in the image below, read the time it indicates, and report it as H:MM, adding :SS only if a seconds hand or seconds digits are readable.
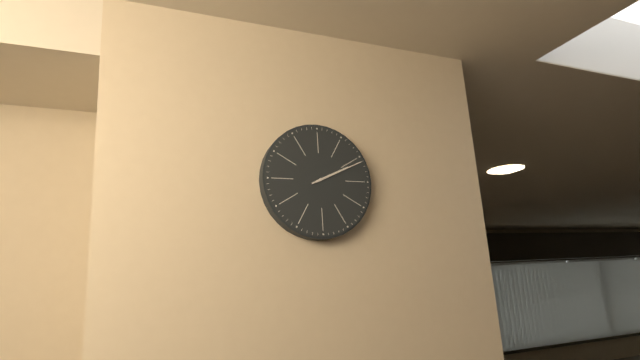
2:11
